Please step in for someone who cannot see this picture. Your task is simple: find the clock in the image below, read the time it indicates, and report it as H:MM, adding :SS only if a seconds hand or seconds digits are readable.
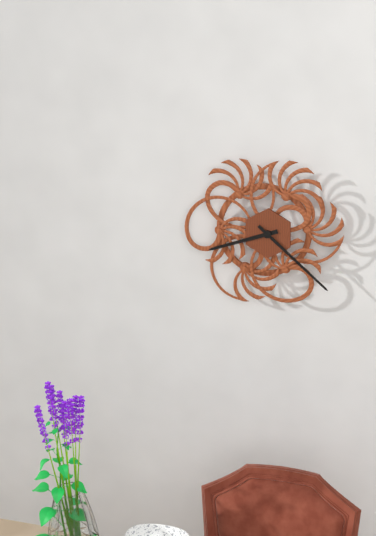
8:22
